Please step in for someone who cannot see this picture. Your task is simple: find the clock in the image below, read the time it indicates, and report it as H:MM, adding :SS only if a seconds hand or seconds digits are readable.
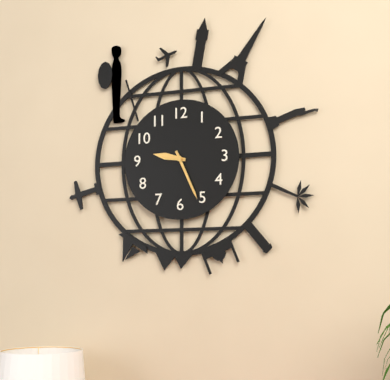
9:26
